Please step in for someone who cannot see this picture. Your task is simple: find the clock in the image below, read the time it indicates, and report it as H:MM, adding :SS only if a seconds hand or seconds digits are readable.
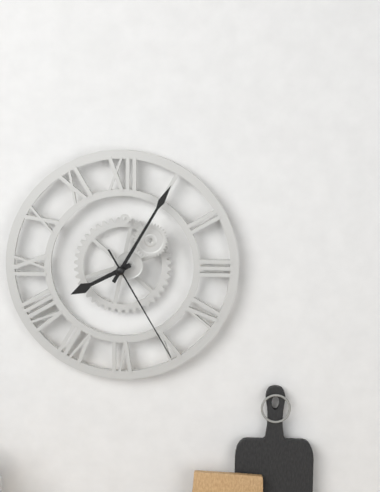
8:05:25
